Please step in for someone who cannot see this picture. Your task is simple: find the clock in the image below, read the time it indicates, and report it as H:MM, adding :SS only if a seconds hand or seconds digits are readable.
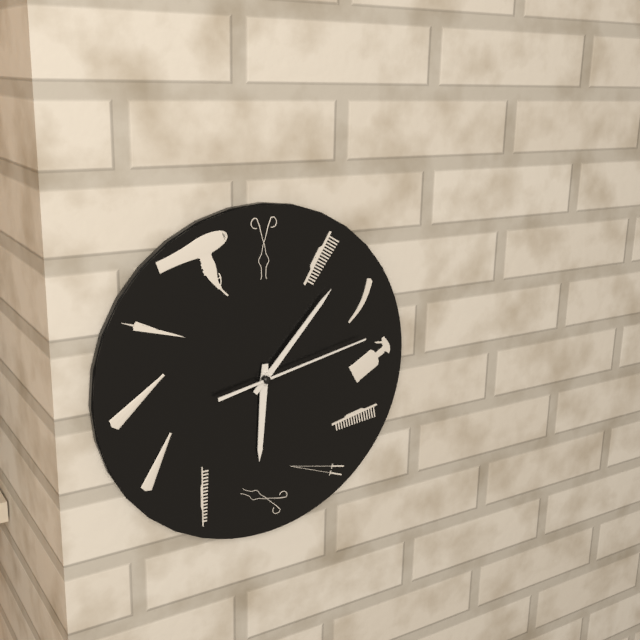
6:07:13
